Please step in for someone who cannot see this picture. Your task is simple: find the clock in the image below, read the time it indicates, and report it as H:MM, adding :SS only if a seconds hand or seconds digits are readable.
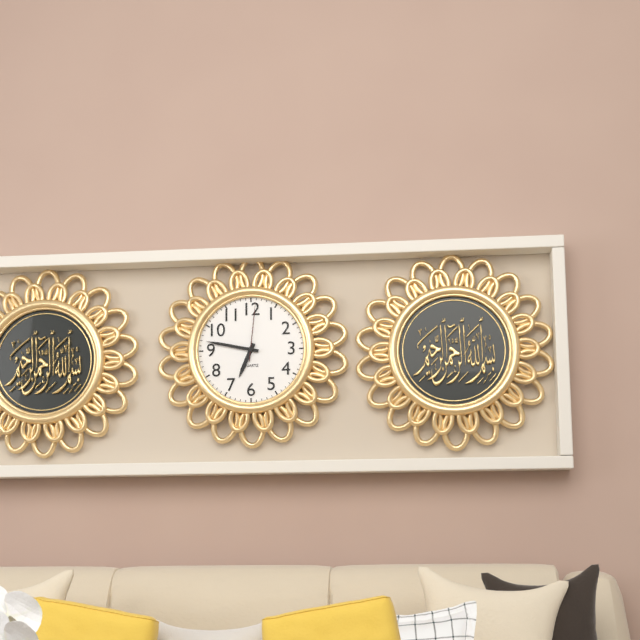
6:47:01
